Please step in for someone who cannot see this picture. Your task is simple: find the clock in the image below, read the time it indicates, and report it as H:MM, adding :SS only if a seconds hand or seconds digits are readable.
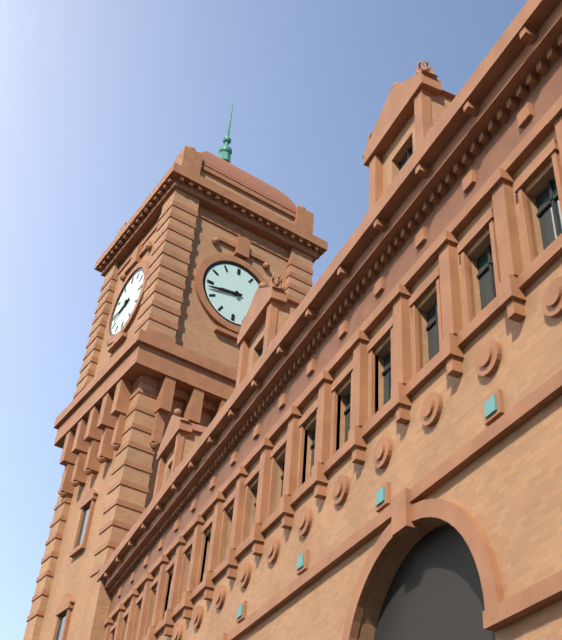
8:43
